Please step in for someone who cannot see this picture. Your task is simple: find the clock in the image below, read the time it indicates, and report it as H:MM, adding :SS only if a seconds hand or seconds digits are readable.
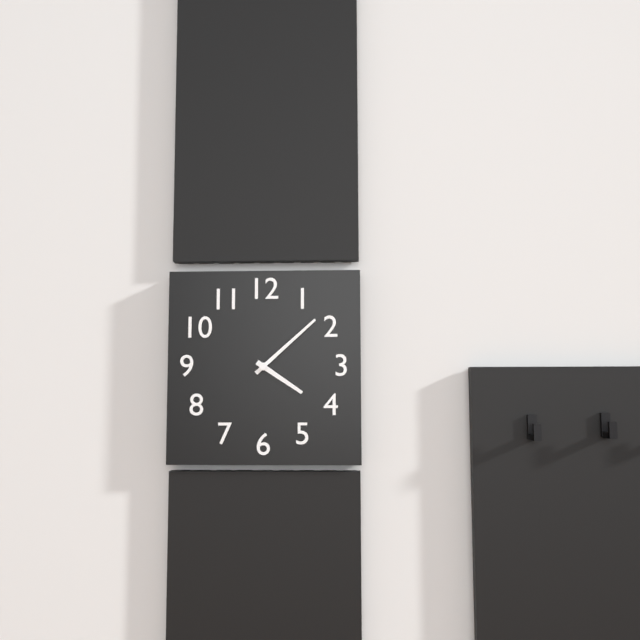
4:08
